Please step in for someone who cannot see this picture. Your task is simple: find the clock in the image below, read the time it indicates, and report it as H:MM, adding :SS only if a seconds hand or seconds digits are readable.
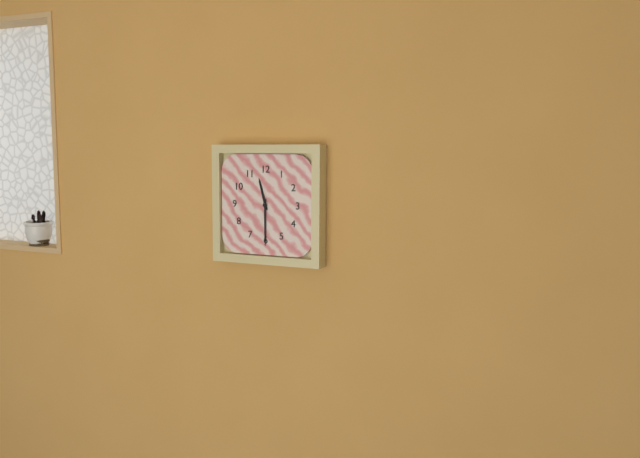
11:30
